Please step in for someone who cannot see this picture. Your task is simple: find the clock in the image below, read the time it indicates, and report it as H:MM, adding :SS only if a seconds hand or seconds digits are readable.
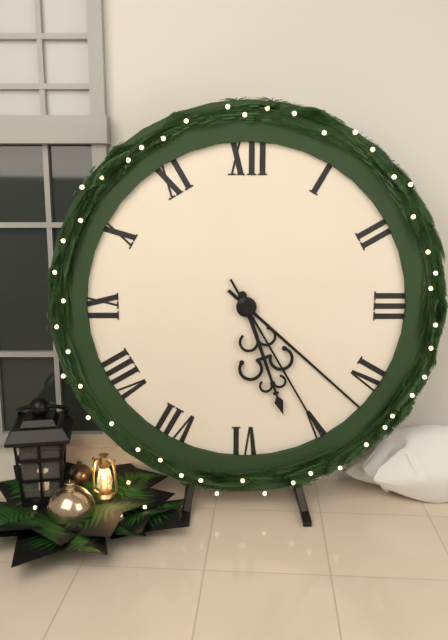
5:22:25
